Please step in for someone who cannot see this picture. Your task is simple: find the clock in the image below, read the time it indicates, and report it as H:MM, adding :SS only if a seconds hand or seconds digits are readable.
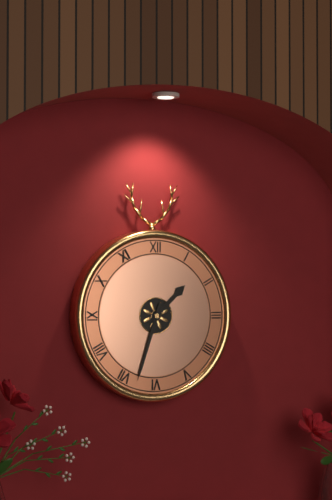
1:33
